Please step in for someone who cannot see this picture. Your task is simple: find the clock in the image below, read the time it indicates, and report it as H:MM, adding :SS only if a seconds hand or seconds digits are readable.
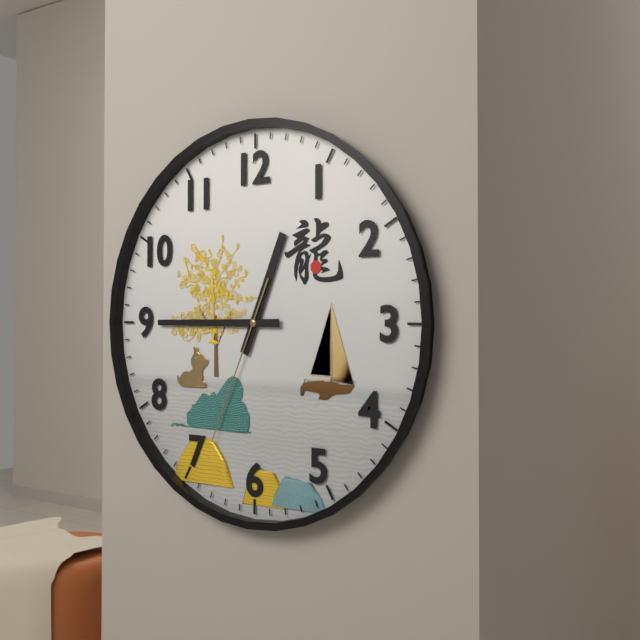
12:45:34
